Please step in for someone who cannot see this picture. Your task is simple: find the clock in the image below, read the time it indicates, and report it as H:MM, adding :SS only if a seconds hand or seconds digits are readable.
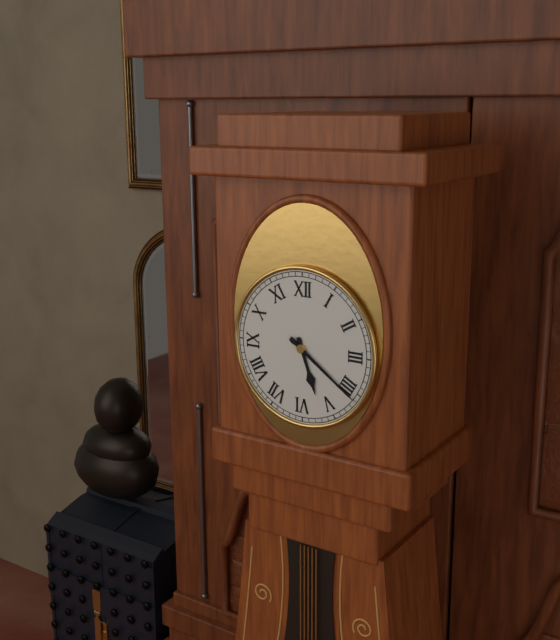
5:21
